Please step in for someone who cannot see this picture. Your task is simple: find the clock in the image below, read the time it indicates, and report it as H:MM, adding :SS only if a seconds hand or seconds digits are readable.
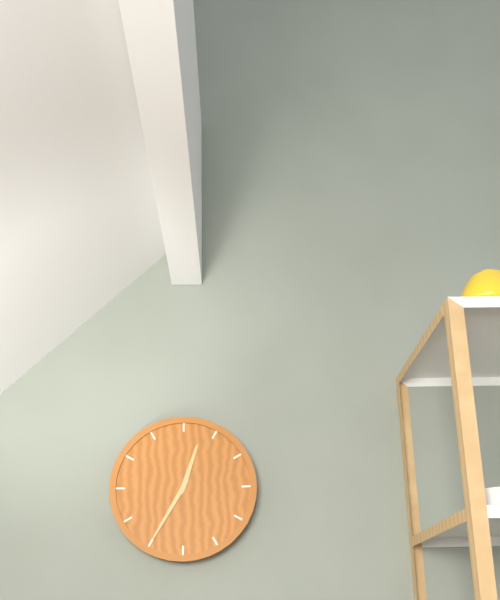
12:35
